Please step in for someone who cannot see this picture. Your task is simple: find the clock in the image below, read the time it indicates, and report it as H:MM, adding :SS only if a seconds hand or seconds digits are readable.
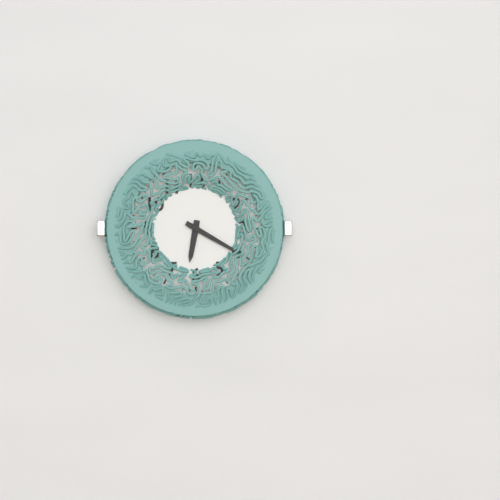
6:20
